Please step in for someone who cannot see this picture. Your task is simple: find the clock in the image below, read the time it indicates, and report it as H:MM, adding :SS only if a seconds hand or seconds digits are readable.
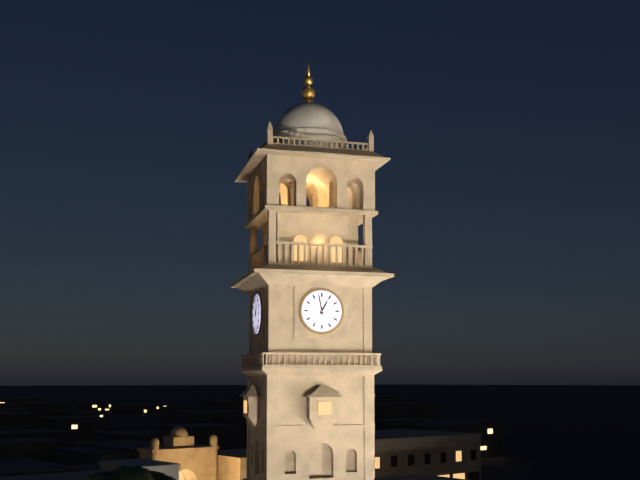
12:58
